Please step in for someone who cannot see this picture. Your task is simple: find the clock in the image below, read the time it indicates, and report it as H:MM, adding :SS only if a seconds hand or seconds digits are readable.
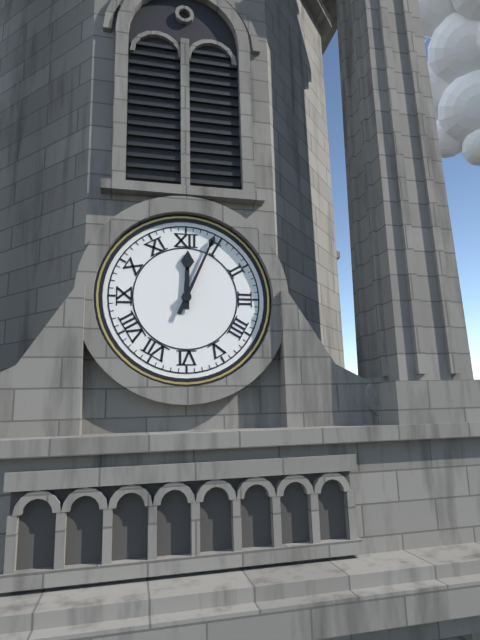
12:04
